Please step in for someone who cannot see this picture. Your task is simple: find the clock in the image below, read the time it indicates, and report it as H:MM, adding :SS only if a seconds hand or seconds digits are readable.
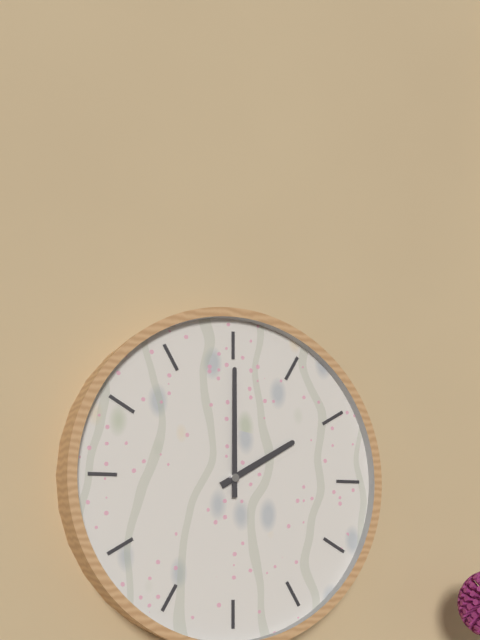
2:00
